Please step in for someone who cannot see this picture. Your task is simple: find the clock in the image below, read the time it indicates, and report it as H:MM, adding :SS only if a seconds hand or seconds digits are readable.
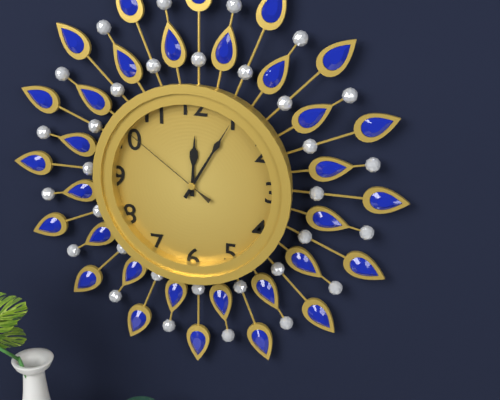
12:05:51
